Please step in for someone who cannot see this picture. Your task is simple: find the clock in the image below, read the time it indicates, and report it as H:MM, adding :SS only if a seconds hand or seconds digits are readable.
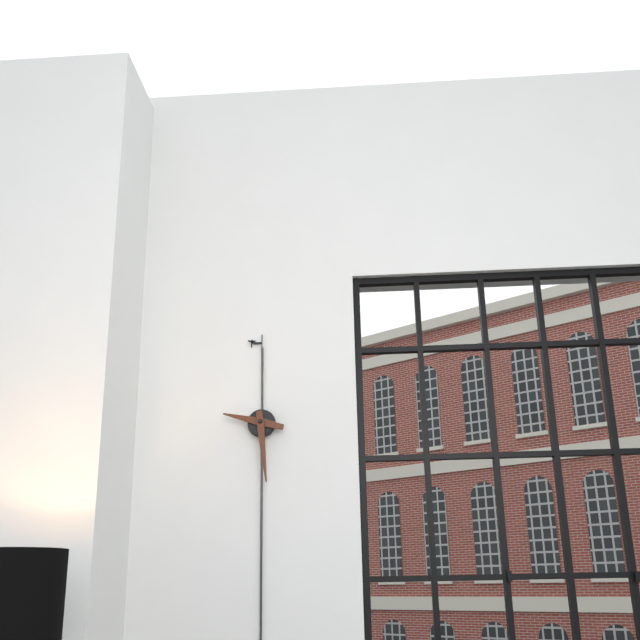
9:29
